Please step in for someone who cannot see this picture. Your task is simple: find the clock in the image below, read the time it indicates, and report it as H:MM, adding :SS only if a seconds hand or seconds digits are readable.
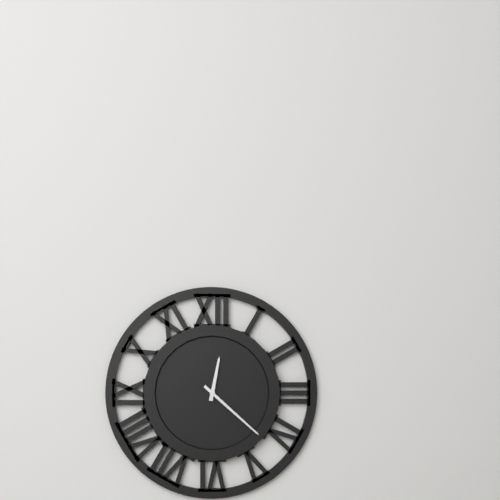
12:22
